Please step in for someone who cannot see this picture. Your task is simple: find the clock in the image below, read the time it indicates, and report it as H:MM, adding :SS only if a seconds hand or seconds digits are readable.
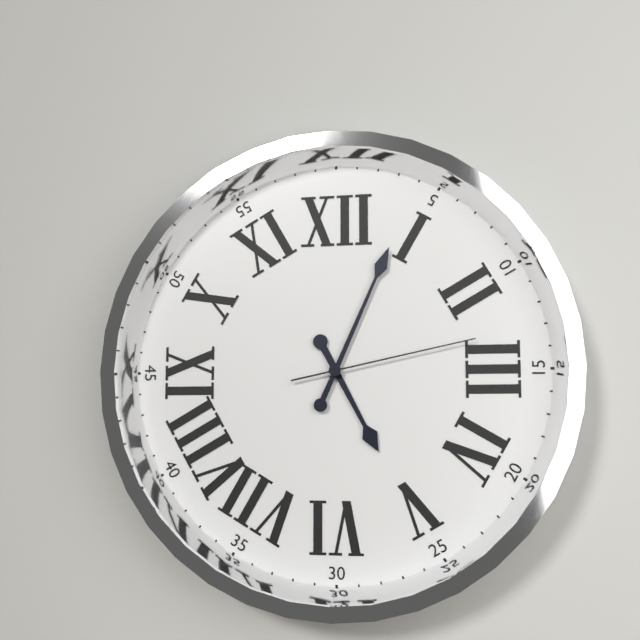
5:04:13
